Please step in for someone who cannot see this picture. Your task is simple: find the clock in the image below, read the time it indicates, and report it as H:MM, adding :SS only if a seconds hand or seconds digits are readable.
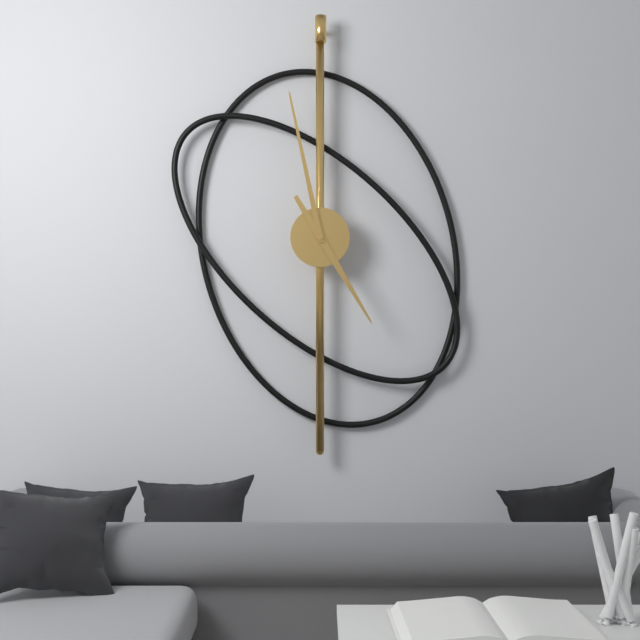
4:58
